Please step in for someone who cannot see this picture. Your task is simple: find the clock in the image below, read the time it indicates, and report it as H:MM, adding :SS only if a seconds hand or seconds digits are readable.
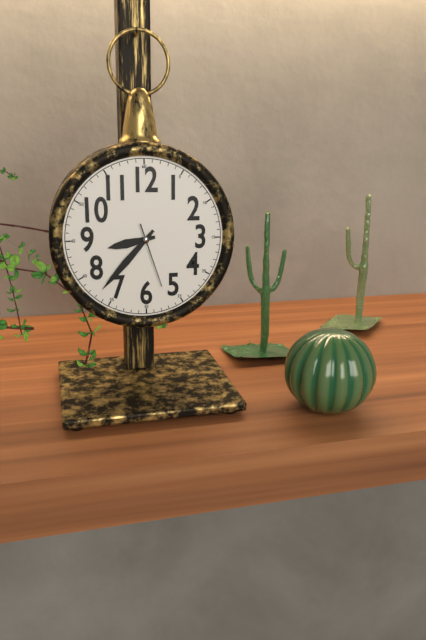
8:37:27
